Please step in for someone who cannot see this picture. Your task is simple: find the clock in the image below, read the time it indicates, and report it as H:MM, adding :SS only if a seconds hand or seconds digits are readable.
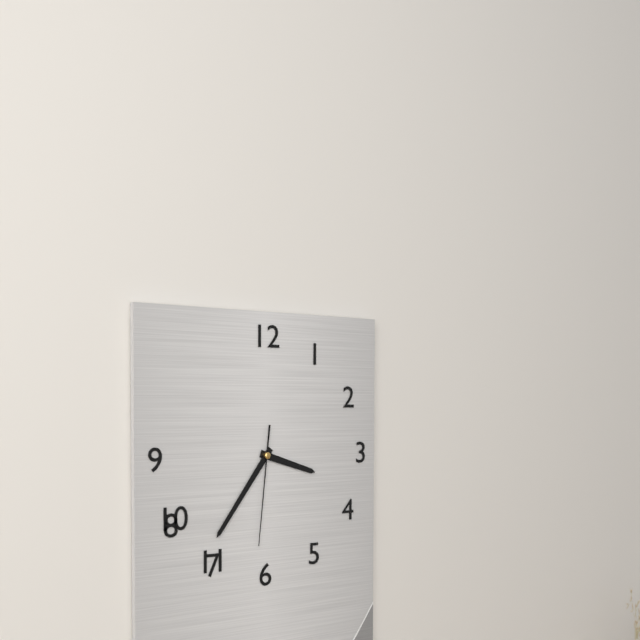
3:36:31
